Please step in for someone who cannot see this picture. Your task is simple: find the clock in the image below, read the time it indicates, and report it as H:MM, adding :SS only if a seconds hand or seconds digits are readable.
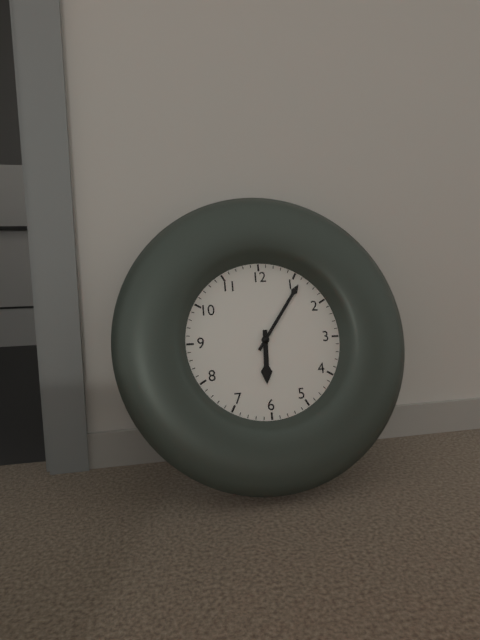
6:06
